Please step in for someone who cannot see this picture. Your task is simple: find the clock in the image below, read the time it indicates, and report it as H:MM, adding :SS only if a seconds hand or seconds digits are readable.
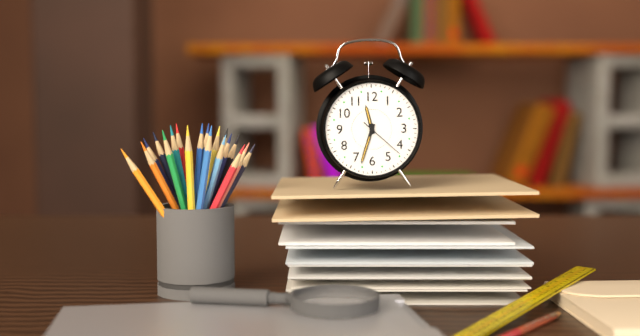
11:33
